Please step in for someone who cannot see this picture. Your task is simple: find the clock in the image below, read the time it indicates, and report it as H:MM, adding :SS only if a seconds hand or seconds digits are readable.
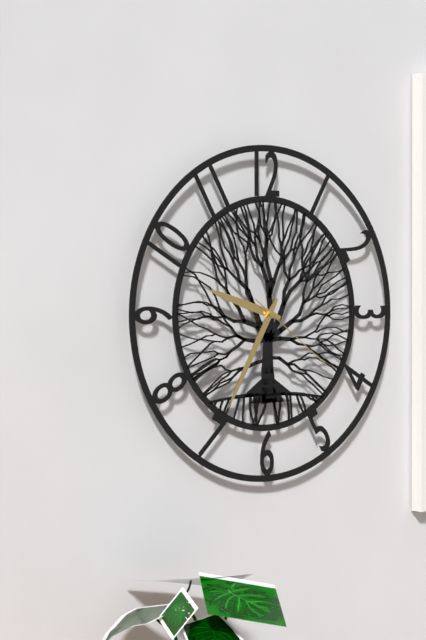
9:35:21
